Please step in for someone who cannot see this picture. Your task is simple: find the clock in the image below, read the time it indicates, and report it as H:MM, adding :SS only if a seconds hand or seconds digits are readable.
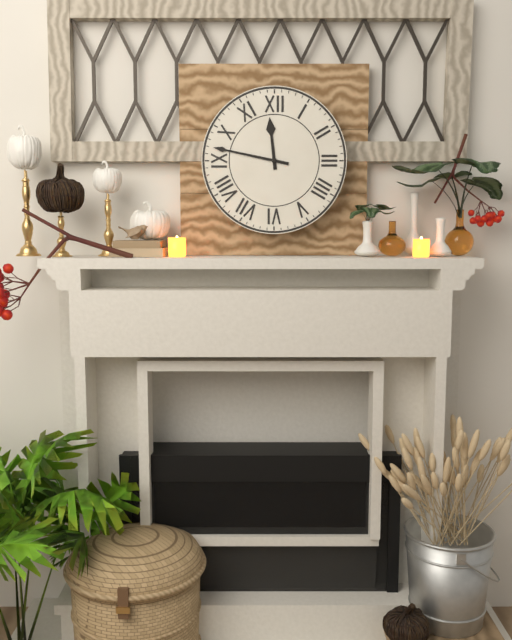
11:47
